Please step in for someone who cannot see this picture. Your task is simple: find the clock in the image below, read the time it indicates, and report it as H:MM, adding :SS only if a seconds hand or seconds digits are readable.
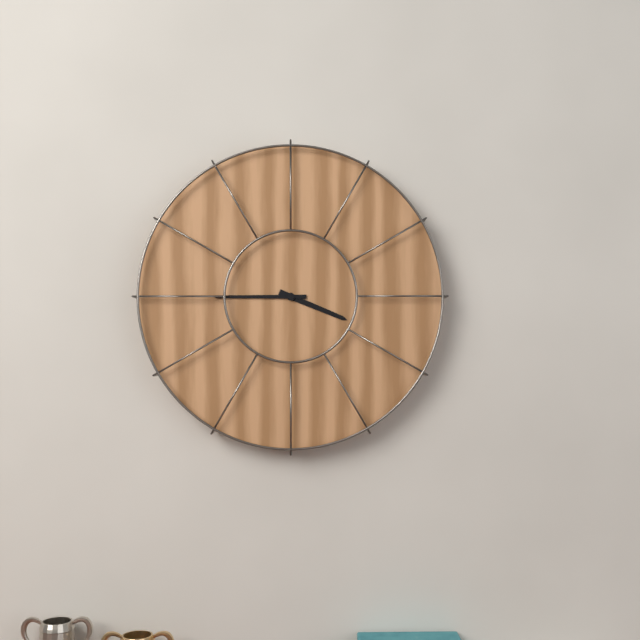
3:45
